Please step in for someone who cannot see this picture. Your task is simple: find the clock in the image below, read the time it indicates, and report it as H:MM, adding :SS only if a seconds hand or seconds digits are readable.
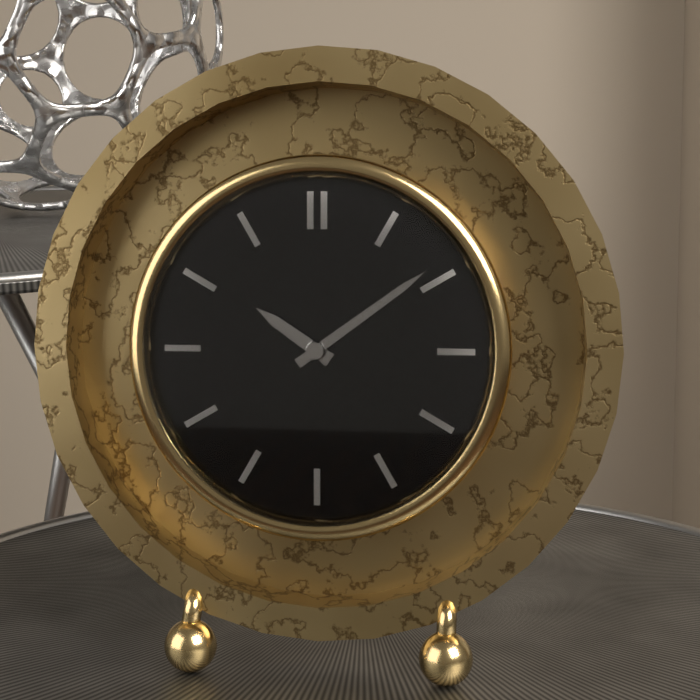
10:09
